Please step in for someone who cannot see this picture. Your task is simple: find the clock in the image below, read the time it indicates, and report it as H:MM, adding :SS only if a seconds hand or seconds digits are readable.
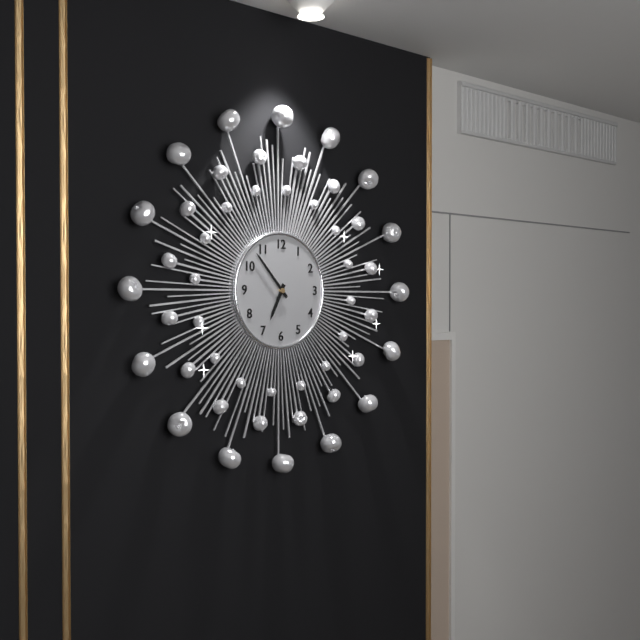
6:53
